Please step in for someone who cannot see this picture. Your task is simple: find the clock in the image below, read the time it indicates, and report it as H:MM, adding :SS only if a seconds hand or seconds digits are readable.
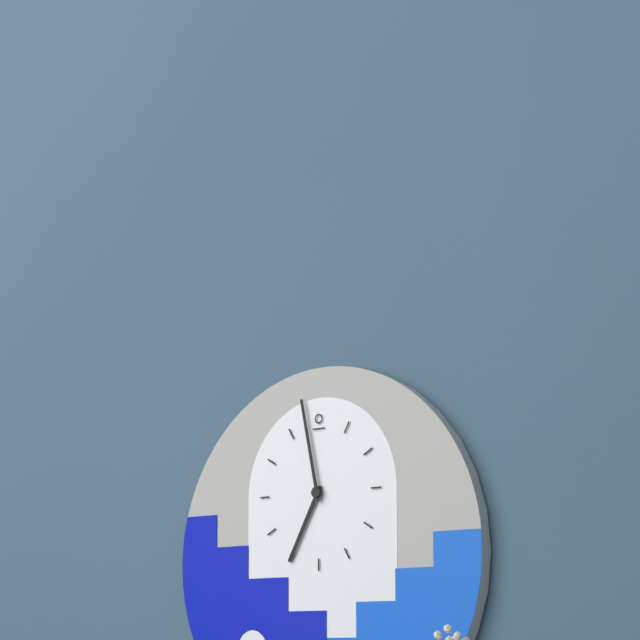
6:58
